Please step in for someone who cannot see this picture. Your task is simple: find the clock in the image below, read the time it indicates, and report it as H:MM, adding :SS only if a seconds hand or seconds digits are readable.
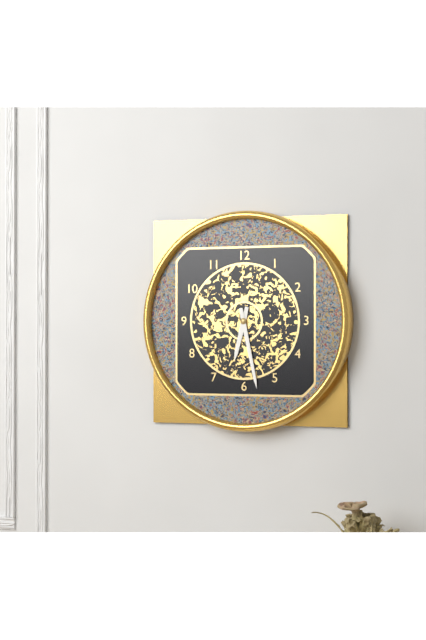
6:28
